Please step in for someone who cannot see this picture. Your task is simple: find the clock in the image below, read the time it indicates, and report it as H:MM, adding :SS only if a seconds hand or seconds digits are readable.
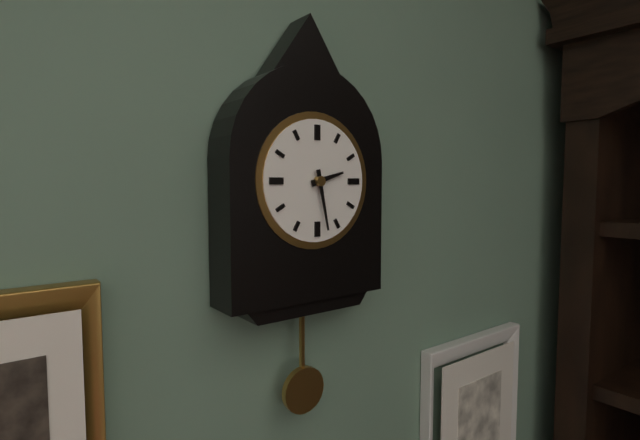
2:28
